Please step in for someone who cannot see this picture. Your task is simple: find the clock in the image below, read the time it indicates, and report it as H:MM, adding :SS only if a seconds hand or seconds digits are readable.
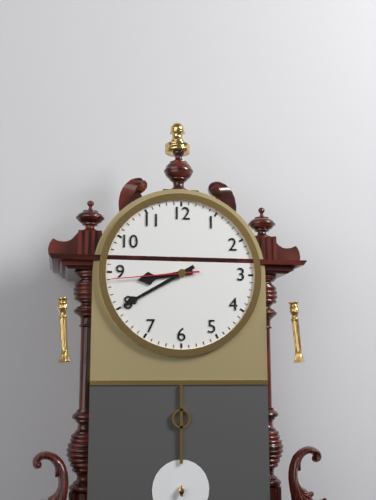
8:40:44
